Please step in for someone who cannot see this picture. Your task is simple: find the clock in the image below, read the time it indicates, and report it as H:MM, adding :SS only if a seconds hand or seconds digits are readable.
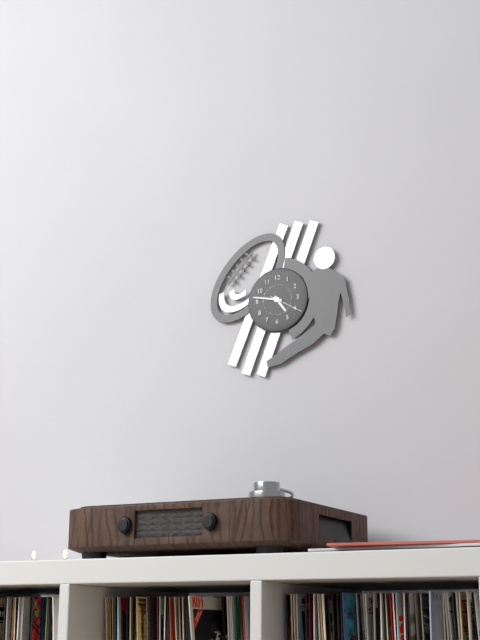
4:47
